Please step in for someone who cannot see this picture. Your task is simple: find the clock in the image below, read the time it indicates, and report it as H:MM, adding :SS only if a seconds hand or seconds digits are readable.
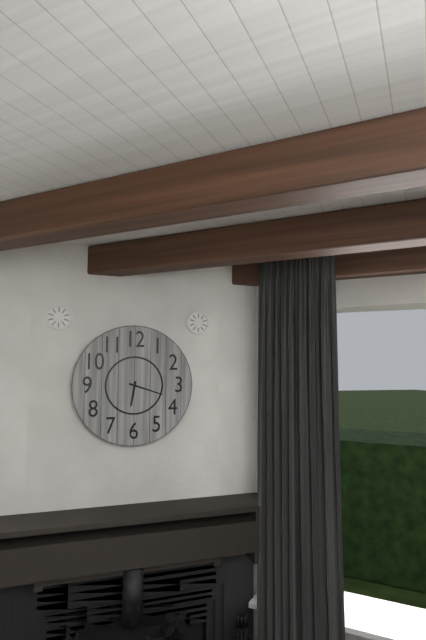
6:18
